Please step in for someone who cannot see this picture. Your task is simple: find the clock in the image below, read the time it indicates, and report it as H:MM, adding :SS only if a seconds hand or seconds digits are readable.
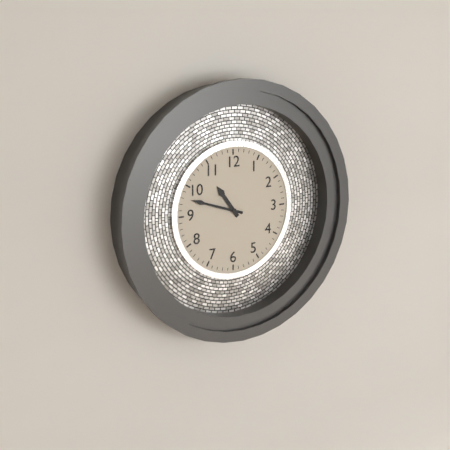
10:48
